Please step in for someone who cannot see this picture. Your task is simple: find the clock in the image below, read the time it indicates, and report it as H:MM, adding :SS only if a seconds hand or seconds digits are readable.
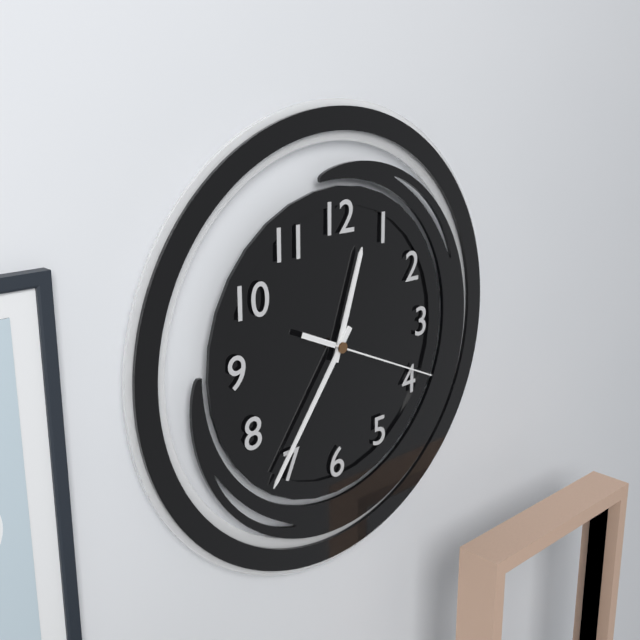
12:36:19
